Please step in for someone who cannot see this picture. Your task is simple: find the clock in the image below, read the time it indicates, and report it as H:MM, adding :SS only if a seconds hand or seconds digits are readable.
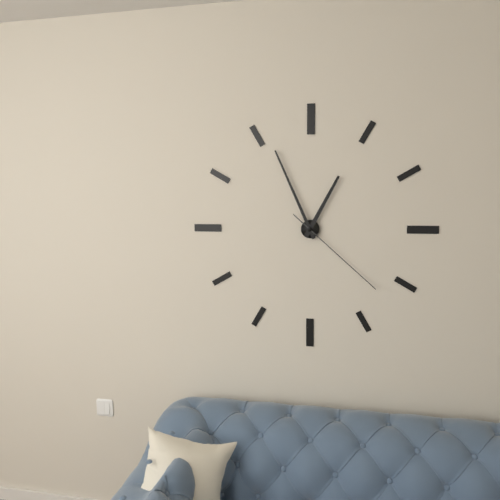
12:56:22
